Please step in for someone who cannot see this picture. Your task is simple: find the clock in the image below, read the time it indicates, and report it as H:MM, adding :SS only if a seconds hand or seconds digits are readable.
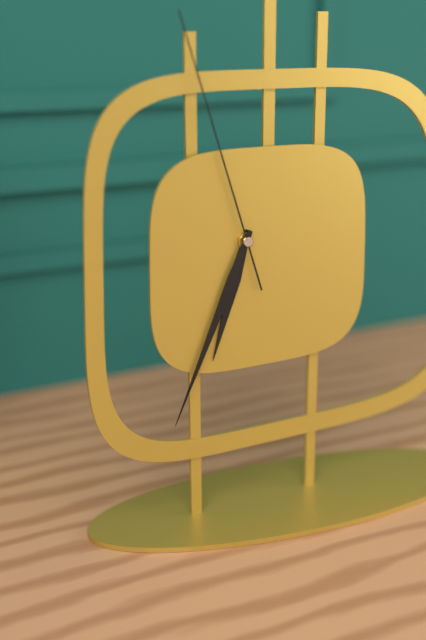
6:34:57
